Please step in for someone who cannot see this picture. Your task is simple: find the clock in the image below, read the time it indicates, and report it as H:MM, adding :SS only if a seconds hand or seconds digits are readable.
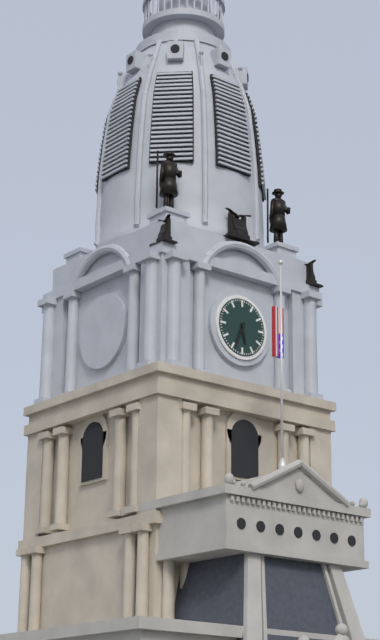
5:34
